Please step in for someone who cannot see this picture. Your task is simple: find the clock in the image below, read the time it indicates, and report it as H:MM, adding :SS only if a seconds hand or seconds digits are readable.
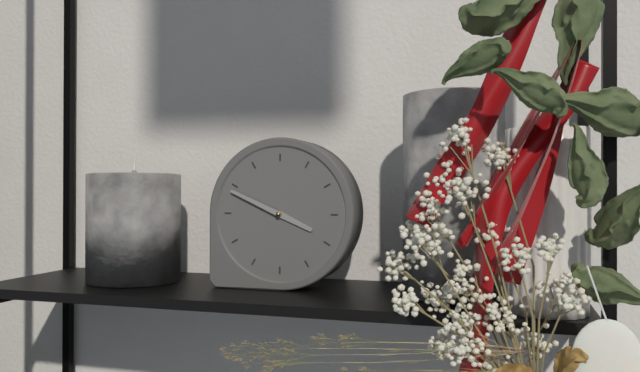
3:49
